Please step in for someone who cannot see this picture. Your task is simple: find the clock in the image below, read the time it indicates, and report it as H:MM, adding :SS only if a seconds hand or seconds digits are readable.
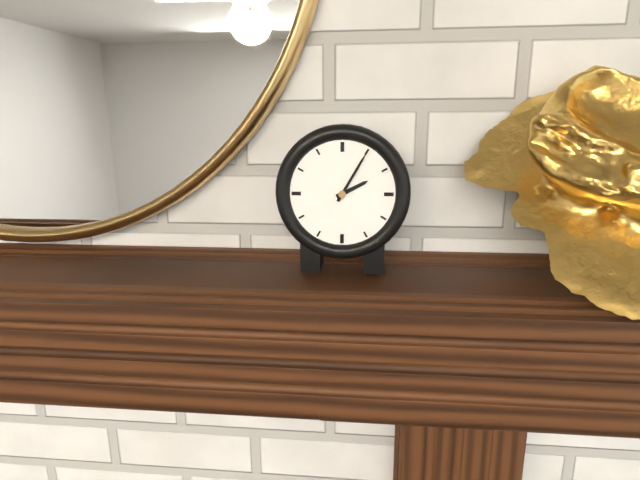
2:05
